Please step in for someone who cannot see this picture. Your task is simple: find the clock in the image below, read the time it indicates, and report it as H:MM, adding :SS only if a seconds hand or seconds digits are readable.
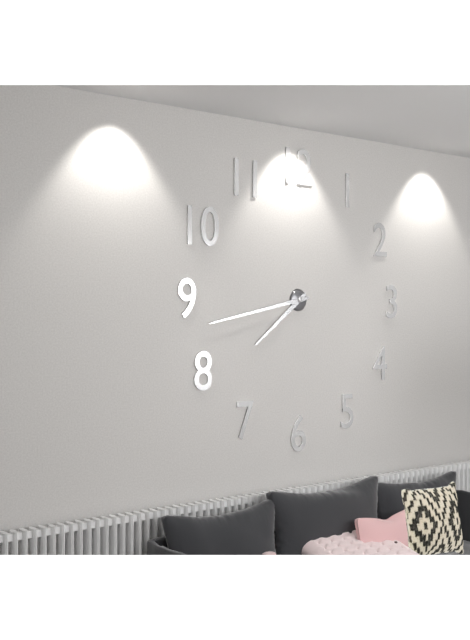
7:43
